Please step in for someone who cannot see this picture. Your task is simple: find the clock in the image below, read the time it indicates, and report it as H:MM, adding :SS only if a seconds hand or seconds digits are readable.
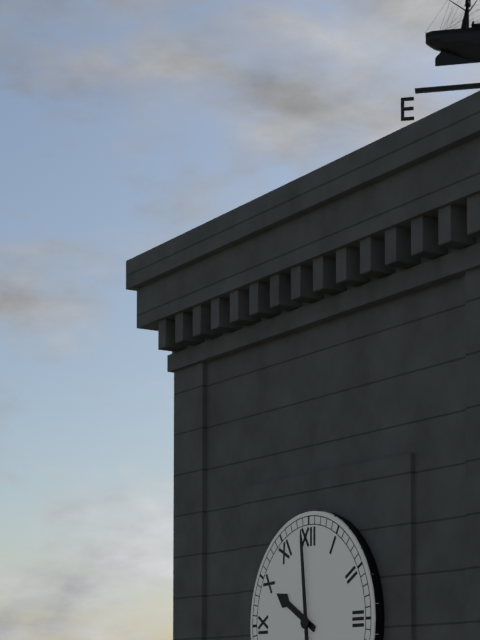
9:59
